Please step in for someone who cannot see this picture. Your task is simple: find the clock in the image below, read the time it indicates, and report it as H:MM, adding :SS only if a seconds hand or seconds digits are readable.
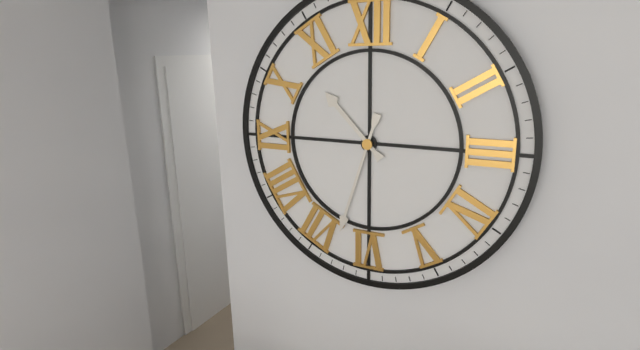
10:33
